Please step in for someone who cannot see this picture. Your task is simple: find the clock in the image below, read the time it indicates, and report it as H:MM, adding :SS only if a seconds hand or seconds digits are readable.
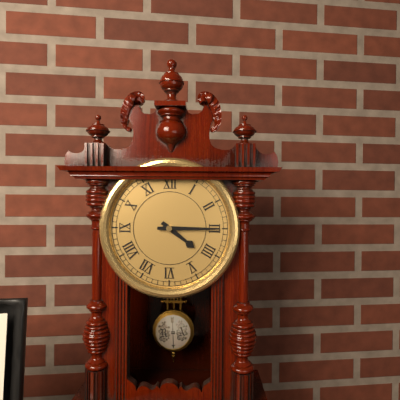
4:15
